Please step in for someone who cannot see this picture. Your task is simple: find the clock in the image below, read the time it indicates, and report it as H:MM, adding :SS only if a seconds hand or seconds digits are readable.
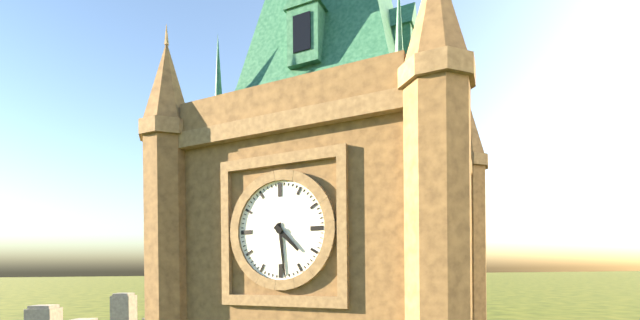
4:29
